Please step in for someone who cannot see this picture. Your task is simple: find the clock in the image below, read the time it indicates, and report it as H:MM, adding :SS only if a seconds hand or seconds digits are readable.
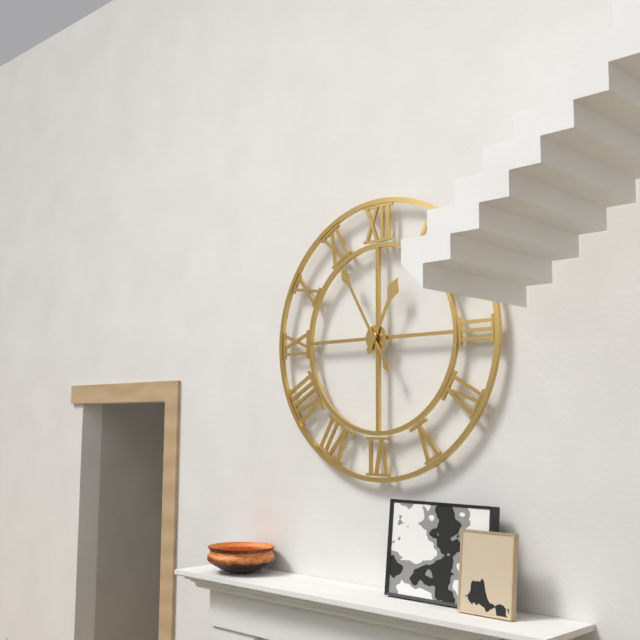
12:55
